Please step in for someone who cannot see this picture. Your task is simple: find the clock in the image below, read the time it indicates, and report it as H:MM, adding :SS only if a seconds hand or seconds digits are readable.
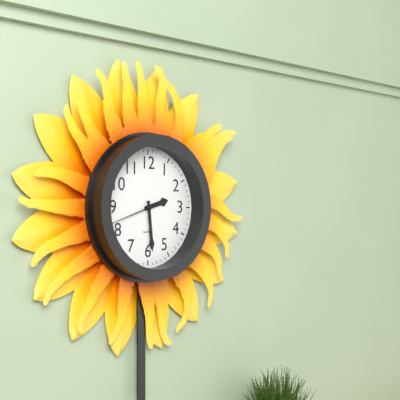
2:29:42
